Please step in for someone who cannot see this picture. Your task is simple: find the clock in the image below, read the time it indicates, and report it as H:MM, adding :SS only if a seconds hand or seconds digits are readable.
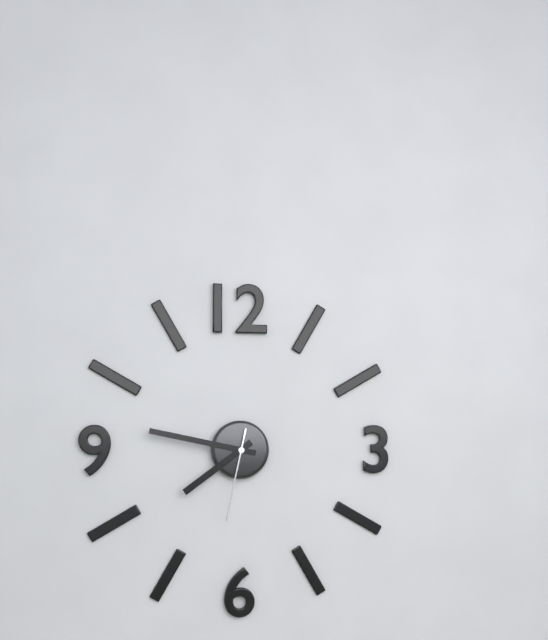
7:47:32
